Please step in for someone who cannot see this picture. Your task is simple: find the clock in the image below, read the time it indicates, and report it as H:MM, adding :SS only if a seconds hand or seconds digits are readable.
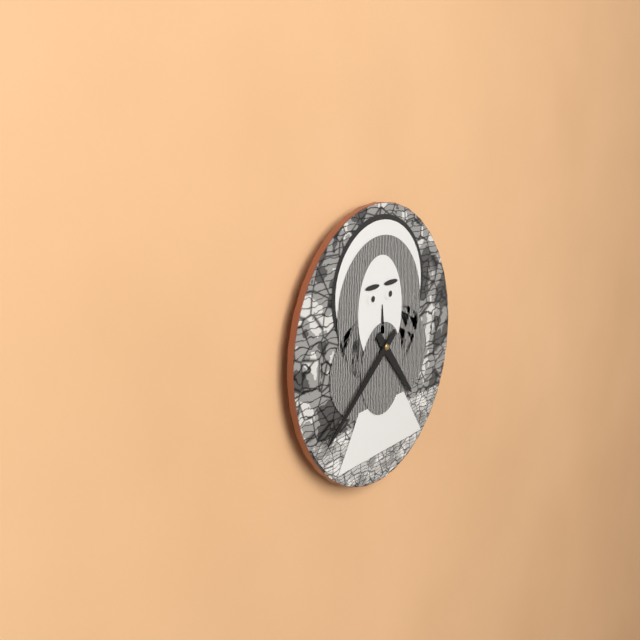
4:39
